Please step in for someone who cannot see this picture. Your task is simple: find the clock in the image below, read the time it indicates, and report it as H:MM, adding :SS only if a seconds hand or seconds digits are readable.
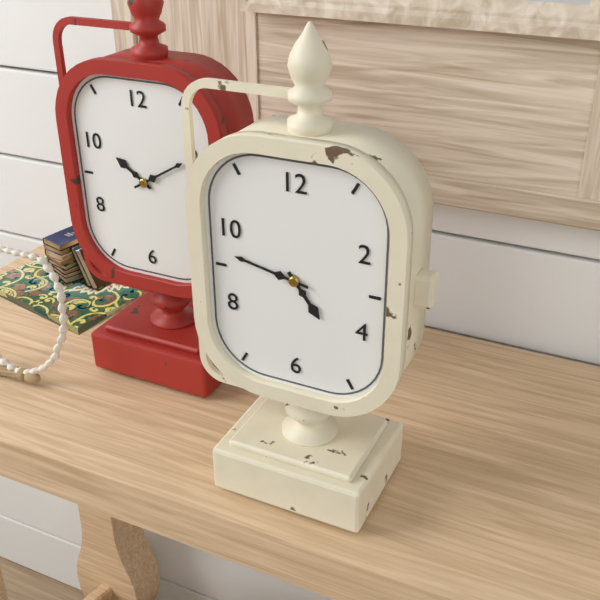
4:47
